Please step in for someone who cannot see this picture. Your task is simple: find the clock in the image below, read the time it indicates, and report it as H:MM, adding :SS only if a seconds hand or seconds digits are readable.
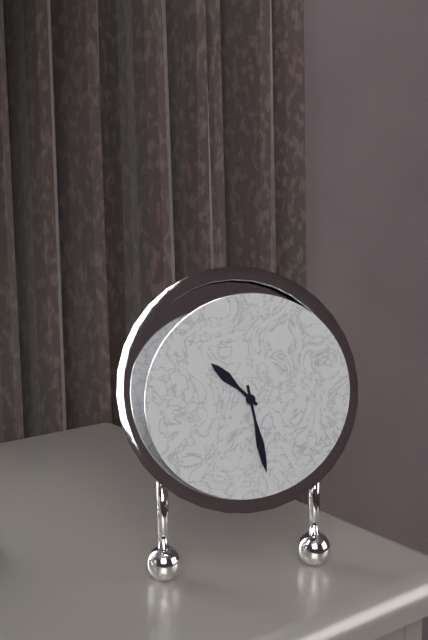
10:28
